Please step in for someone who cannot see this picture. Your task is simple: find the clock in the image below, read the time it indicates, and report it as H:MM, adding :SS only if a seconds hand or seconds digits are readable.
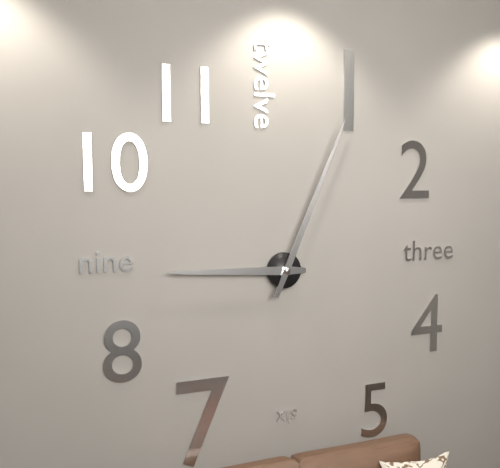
9:04
